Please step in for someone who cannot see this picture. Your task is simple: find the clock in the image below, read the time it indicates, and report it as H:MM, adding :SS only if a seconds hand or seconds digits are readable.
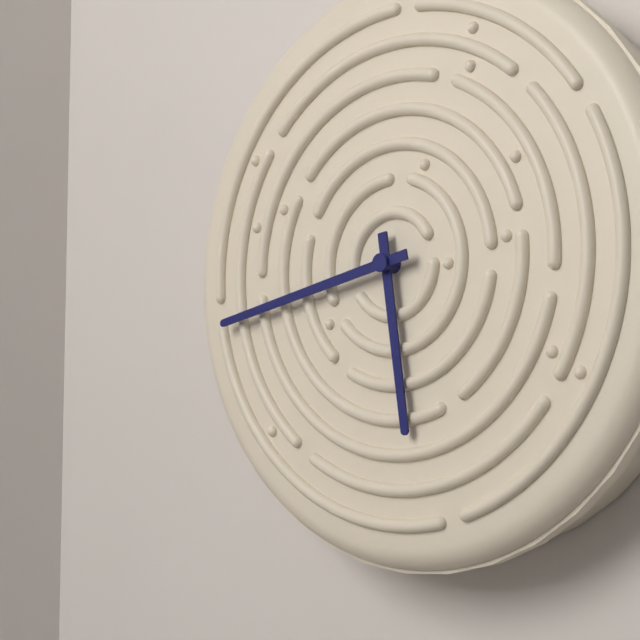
5:43
